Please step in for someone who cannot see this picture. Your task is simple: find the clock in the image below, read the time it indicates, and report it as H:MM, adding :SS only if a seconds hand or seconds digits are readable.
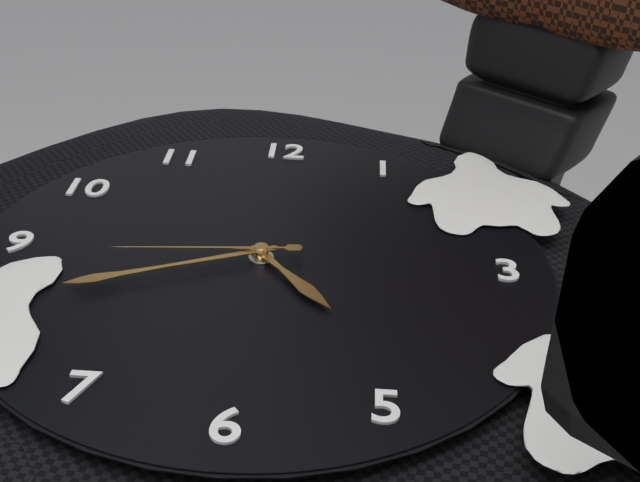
4:41:44
